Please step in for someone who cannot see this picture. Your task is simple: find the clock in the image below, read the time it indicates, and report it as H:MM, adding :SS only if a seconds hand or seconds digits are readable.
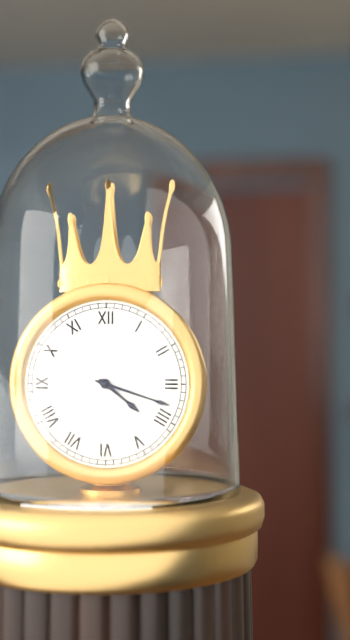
4:18
